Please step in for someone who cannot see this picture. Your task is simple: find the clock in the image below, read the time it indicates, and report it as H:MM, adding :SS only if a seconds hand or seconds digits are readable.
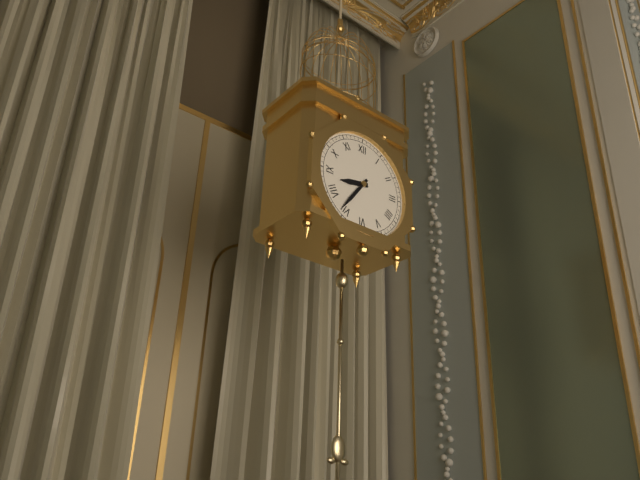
8:36
